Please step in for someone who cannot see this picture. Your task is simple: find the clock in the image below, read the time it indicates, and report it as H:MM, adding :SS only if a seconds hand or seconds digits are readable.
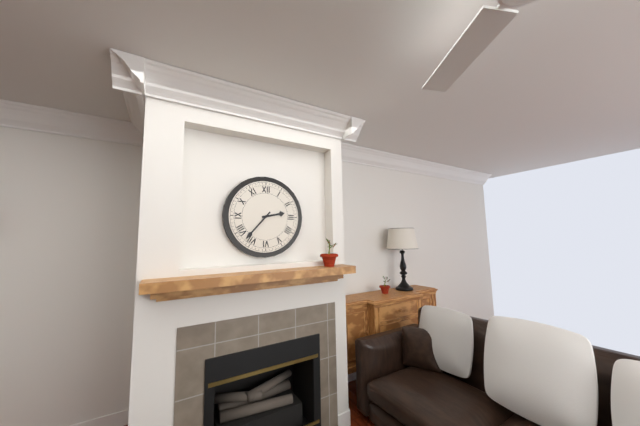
2:37
